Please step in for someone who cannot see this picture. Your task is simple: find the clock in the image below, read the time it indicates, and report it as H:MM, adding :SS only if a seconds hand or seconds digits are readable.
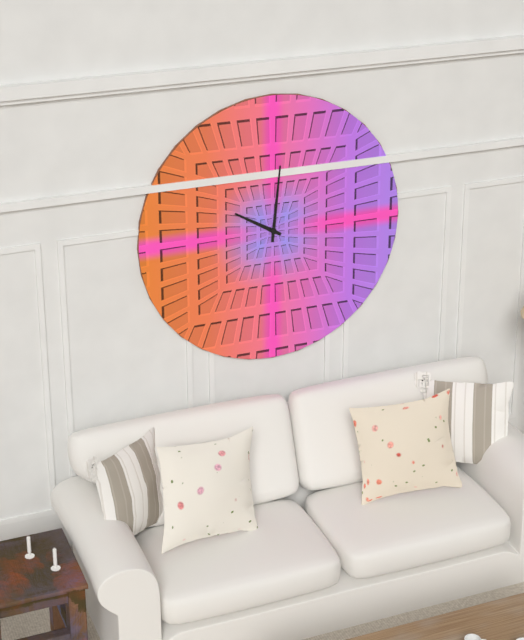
10:01
